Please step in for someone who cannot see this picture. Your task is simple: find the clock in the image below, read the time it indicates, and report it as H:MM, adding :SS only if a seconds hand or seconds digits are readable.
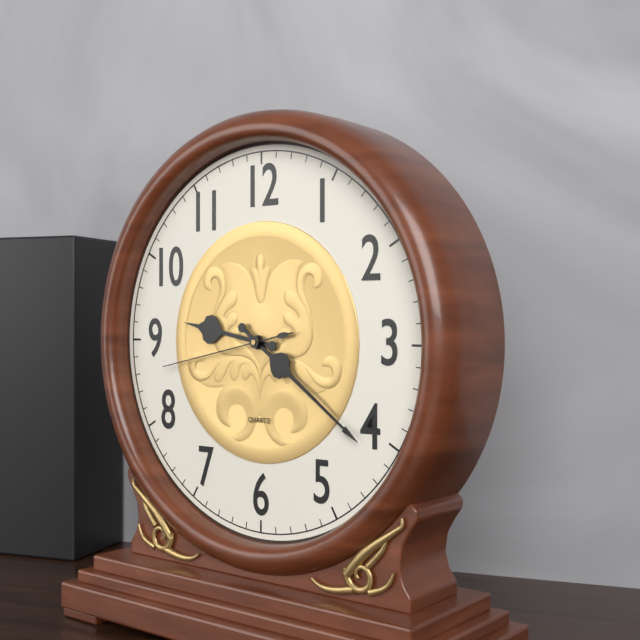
9:21:43
